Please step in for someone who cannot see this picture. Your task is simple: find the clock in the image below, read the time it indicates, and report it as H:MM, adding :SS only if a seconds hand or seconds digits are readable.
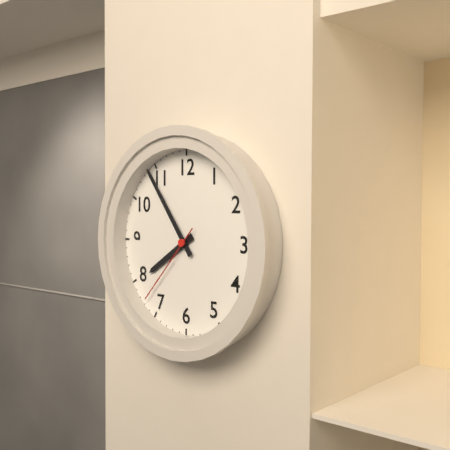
7:54:37
